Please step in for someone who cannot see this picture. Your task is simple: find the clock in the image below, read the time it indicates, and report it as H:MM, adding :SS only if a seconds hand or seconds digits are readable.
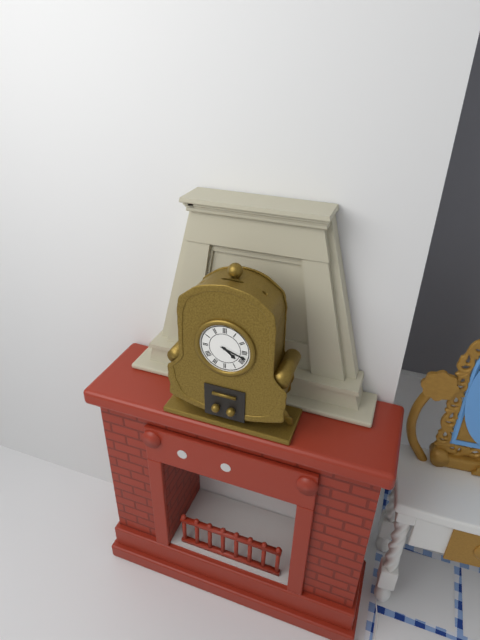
4:18
